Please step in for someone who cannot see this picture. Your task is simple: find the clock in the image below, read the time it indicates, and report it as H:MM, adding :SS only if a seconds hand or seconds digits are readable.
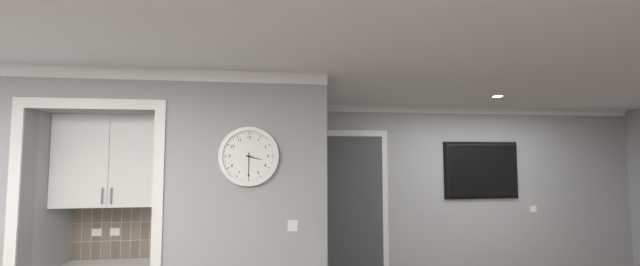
3:30
